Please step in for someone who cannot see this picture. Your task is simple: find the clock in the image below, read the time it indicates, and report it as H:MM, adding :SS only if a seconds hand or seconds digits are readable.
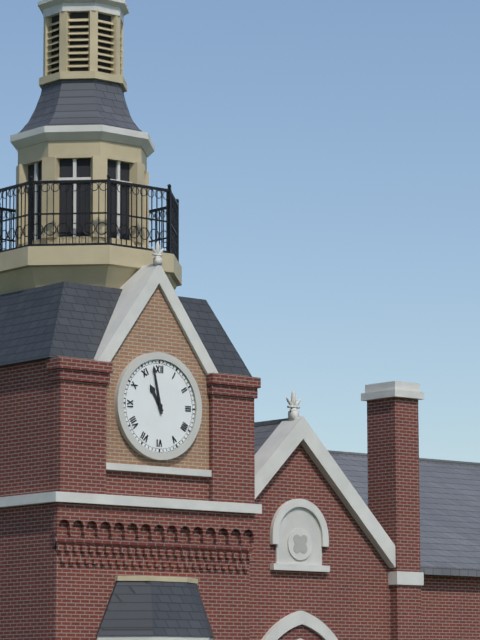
10:58
